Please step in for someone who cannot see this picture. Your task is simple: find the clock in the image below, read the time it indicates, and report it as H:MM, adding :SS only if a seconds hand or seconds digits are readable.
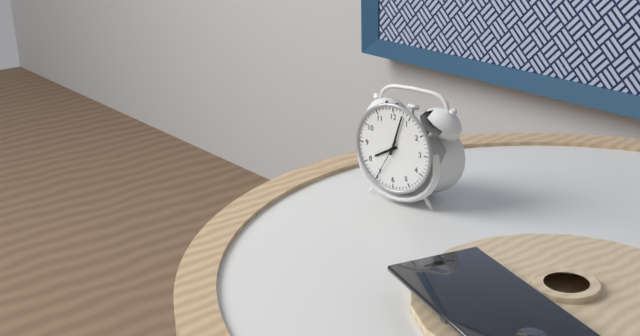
8:03
